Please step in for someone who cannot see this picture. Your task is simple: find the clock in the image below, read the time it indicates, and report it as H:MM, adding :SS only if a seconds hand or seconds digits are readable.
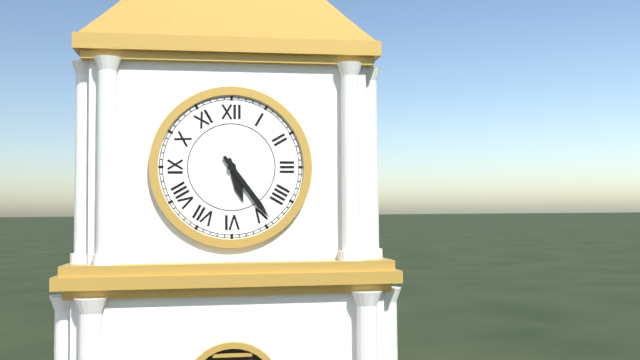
5:24
